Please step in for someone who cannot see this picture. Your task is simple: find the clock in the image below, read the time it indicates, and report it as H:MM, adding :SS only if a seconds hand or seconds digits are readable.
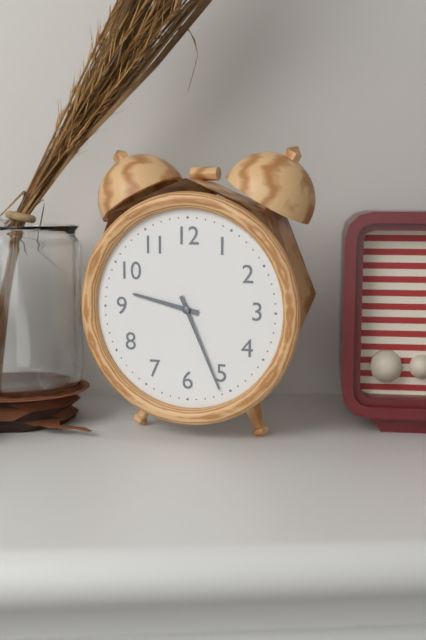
9:26
